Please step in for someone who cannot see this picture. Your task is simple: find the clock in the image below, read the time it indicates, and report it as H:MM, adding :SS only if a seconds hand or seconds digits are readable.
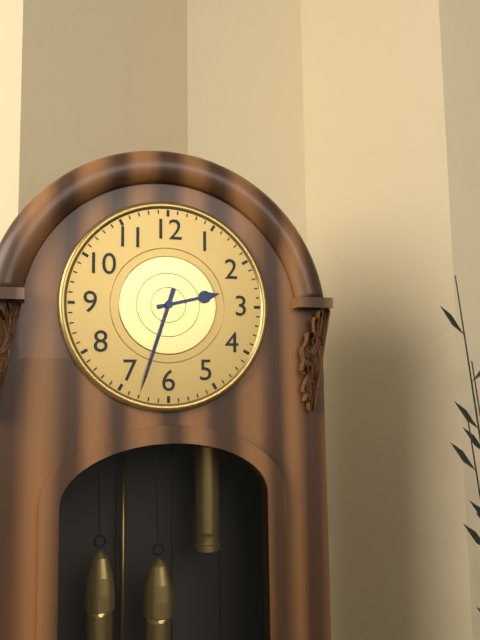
2:33
